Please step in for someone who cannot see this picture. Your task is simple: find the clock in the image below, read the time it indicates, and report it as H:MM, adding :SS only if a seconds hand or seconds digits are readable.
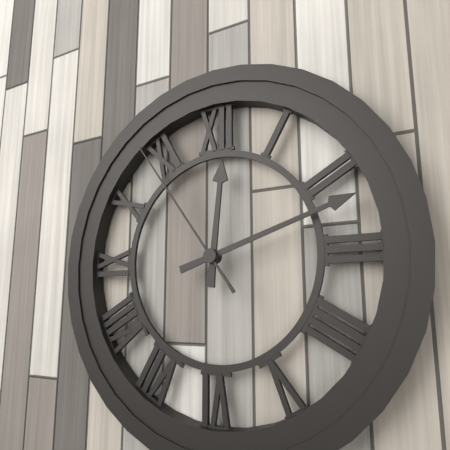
12:12:54
